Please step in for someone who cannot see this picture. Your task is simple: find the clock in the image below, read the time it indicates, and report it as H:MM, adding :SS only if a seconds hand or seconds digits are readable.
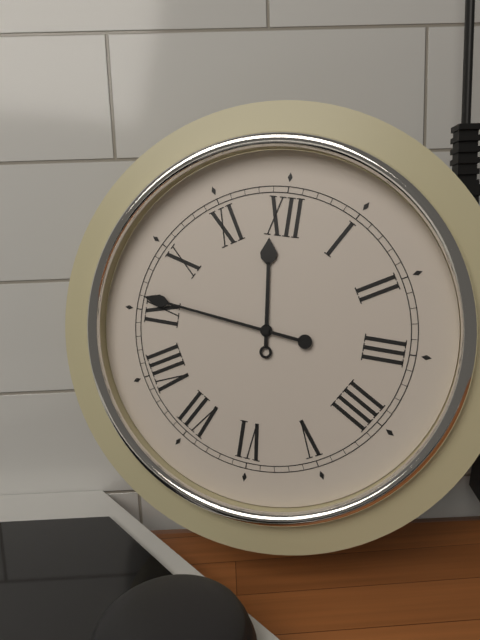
11:46
